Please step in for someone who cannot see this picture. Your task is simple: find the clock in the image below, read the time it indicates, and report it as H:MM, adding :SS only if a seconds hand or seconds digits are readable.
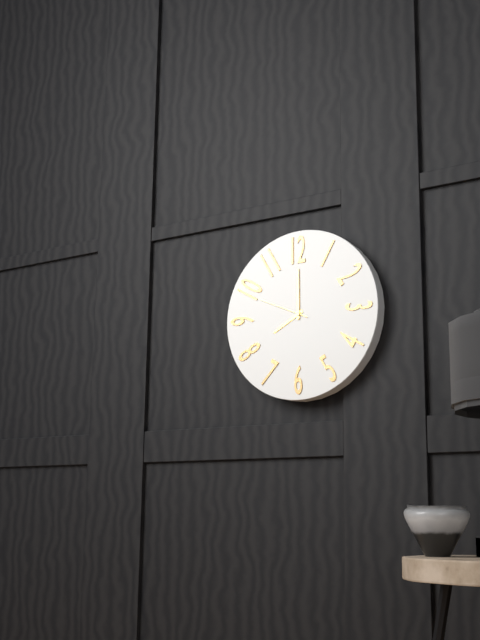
8:00:49
